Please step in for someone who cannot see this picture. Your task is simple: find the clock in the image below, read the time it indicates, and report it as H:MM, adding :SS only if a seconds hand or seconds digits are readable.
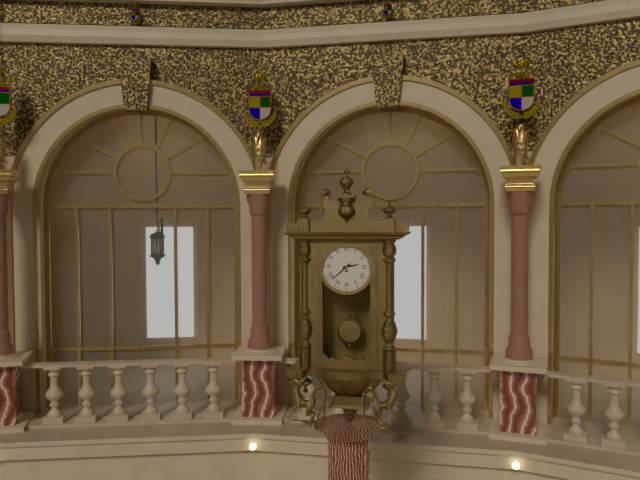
2:38
